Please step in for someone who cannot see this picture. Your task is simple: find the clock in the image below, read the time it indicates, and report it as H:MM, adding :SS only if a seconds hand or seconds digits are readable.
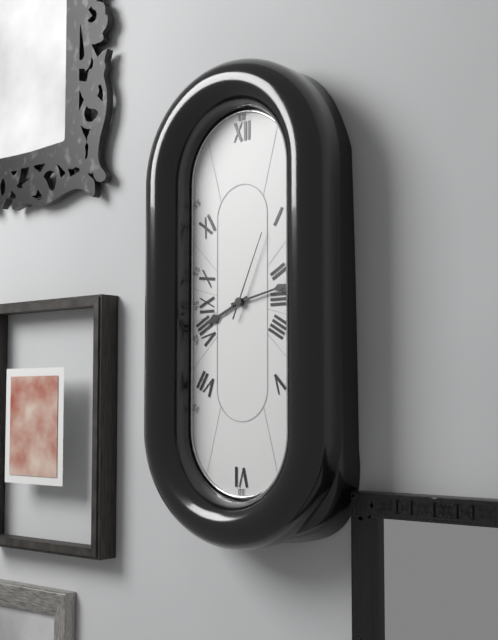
8:13:04
